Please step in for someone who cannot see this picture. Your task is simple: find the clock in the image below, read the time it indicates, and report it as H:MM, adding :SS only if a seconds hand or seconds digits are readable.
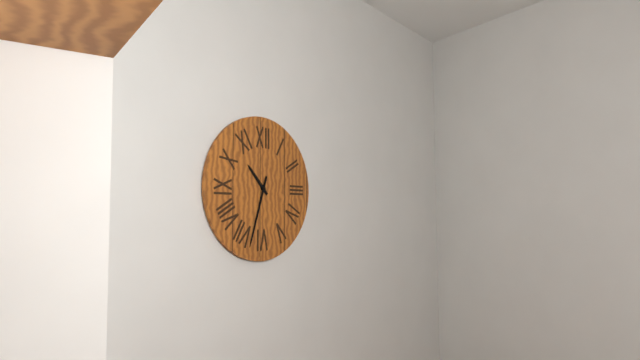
10:33
